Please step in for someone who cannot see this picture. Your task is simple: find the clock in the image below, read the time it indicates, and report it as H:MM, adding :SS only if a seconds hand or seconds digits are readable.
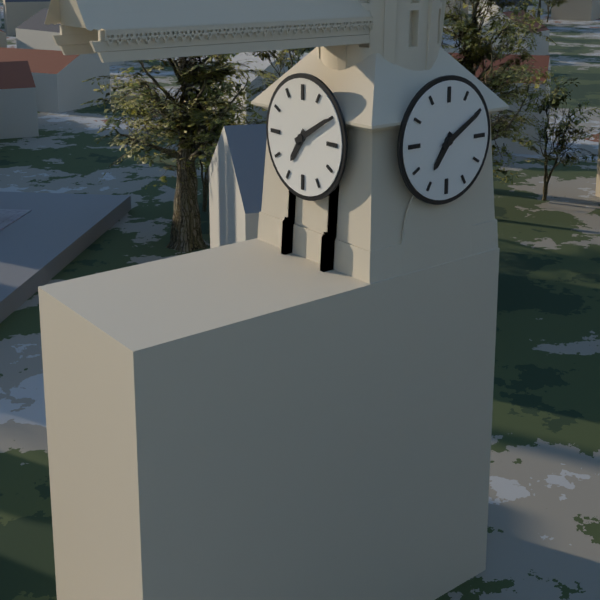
7:10
